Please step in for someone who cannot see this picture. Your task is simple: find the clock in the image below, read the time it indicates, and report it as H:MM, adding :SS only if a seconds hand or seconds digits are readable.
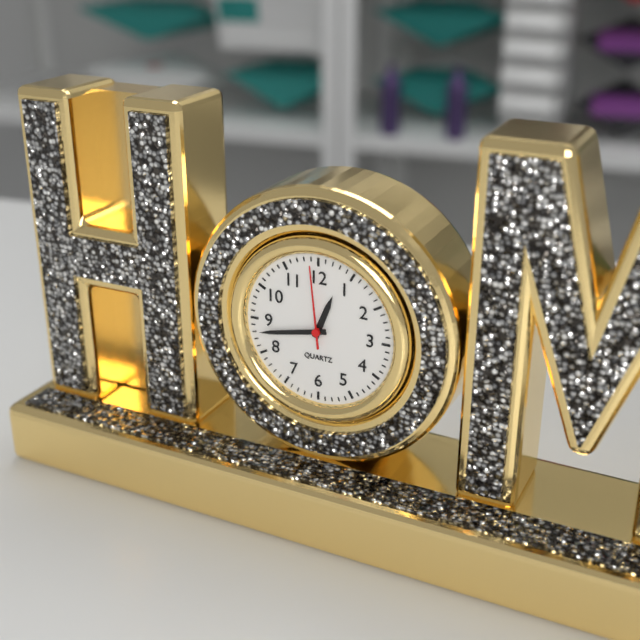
12:43:59
